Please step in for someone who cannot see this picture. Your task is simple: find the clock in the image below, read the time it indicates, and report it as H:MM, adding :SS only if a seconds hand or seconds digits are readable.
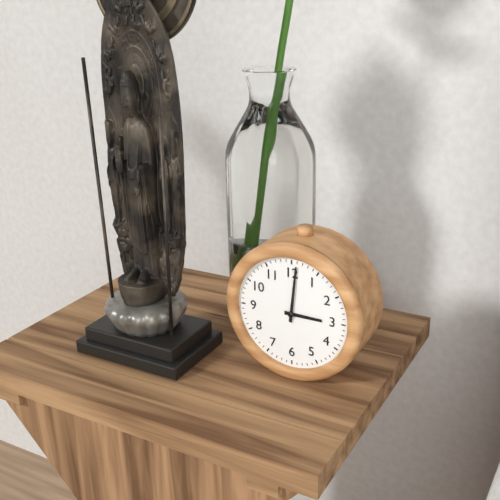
3:01
